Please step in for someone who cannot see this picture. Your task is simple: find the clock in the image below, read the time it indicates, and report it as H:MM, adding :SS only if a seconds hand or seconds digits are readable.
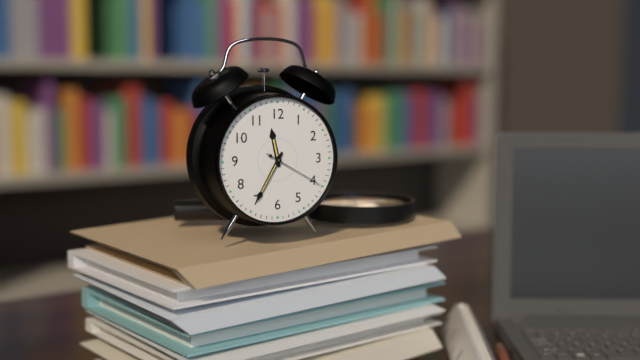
11:35:20
